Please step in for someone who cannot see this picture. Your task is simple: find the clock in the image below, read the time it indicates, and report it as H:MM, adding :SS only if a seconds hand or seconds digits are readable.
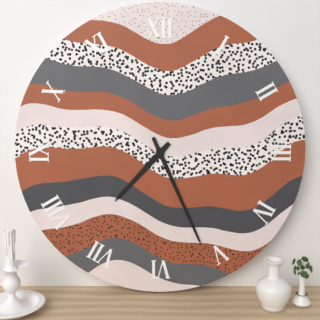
7:26
